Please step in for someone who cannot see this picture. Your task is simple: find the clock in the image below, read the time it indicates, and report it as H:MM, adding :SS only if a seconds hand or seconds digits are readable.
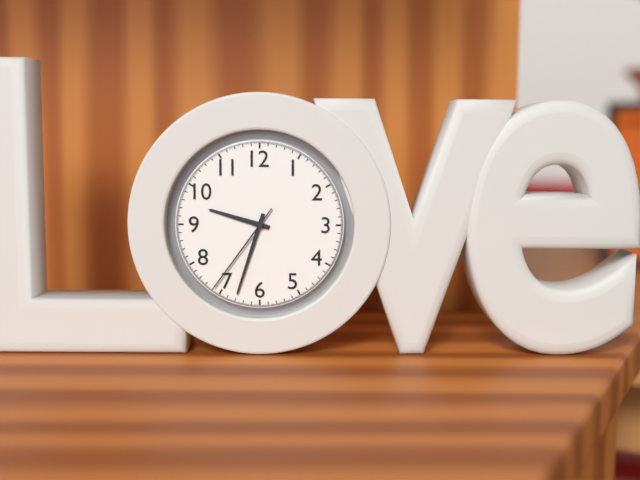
9:33:36
